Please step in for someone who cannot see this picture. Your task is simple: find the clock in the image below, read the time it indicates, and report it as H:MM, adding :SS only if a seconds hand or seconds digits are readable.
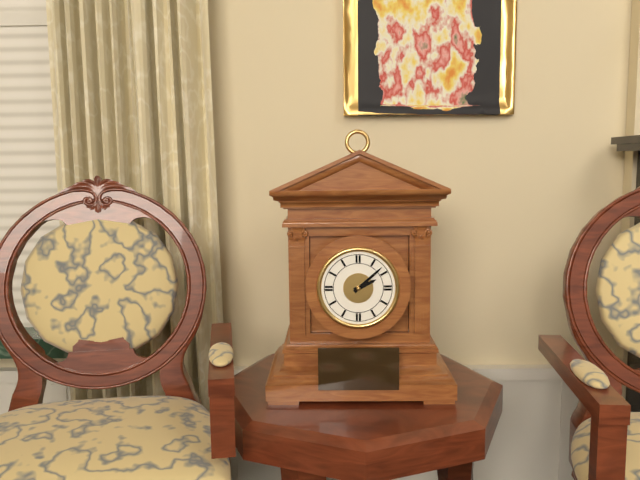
2:08
